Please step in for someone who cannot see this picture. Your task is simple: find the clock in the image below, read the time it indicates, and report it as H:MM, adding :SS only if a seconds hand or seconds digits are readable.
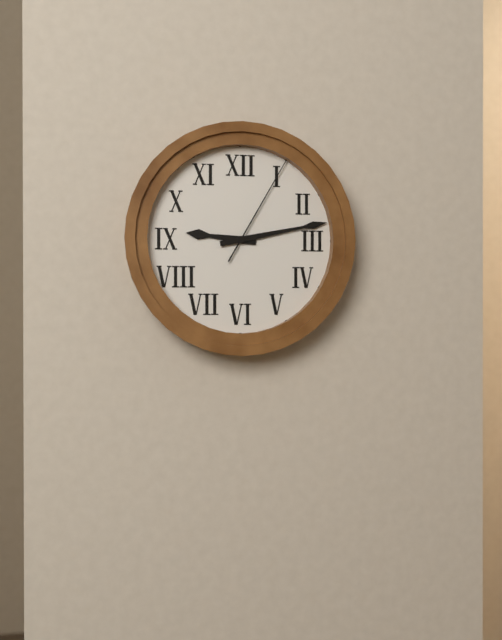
9:13:05
